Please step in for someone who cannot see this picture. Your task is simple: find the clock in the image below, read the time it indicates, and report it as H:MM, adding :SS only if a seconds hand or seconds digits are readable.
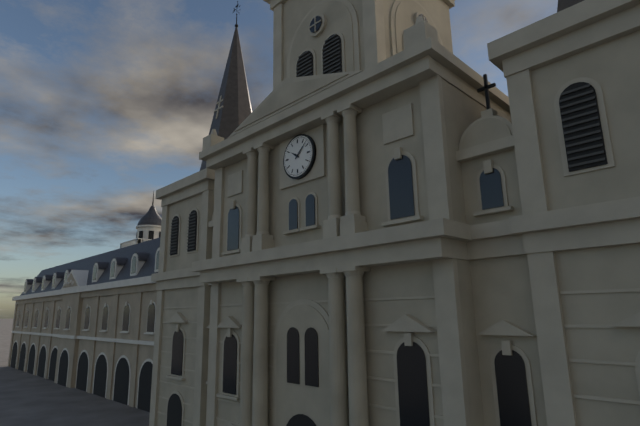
10:08
